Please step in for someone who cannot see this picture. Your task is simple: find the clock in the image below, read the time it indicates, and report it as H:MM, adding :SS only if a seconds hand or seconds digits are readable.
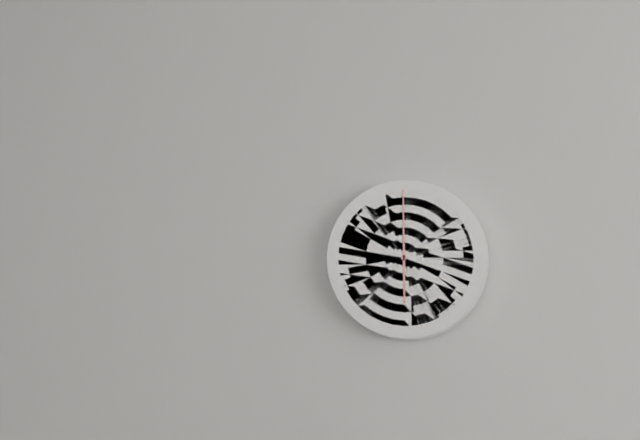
6:00
